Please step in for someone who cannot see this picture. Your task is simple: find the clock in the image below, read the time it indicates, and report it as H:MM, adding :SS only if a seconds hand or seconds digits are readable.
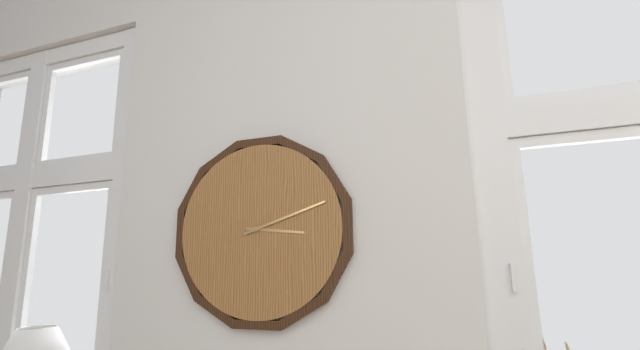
3:12
